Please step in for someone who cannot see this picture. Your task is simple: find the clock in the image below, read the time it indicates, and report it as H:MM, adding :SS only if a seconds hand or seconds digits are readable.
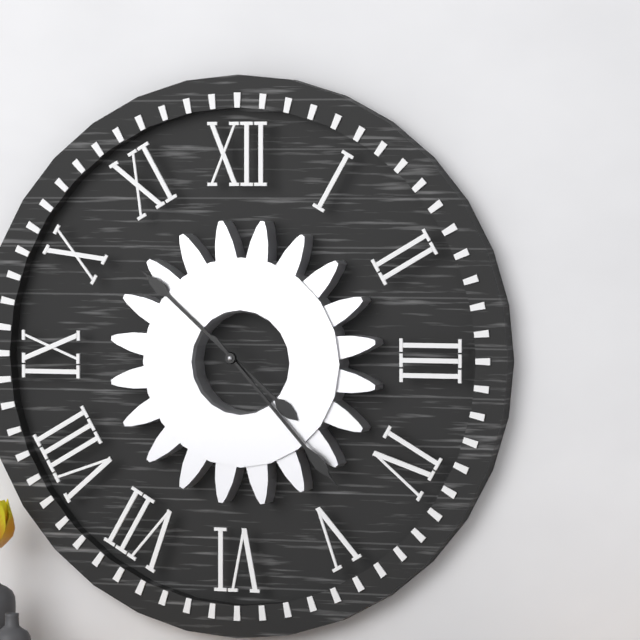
10:23
